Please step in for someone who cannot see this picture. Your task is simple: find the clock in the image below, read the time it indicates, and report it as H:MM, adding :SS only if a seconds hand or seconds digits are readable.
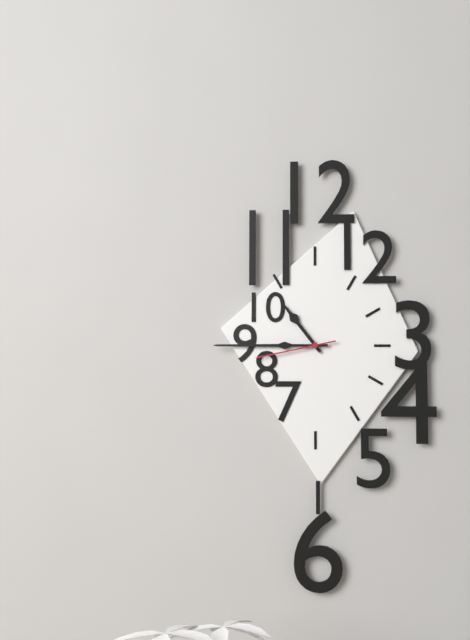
10:45:43
